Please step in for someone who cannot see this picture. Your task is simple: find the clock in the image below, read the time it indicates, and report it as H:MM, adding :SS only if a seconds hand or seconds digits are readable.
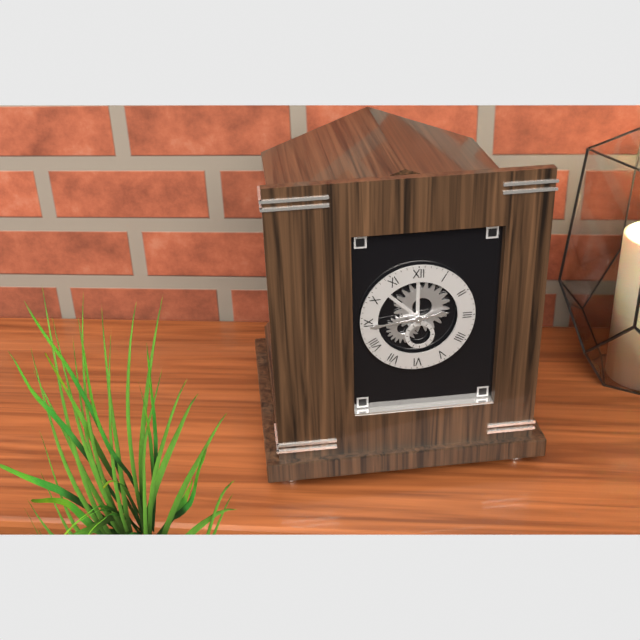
2:44
